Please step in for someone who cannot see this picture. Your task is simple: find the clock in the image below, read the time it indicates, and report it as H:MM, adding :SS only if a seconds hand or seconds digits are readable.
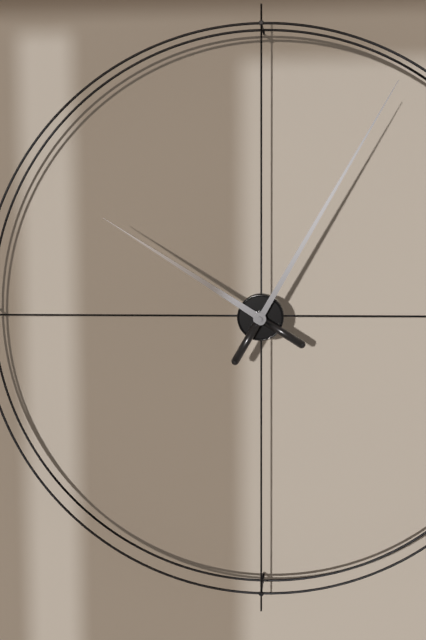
10:05
